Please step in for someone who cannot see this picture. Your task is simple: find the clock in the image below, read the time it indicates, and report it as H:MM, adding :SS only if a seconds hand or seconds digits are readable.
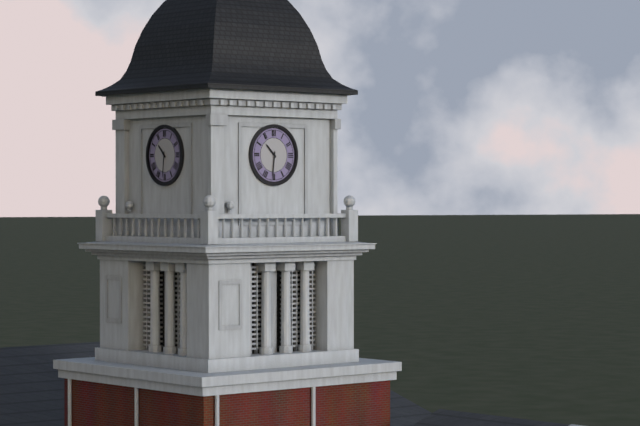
10:31
